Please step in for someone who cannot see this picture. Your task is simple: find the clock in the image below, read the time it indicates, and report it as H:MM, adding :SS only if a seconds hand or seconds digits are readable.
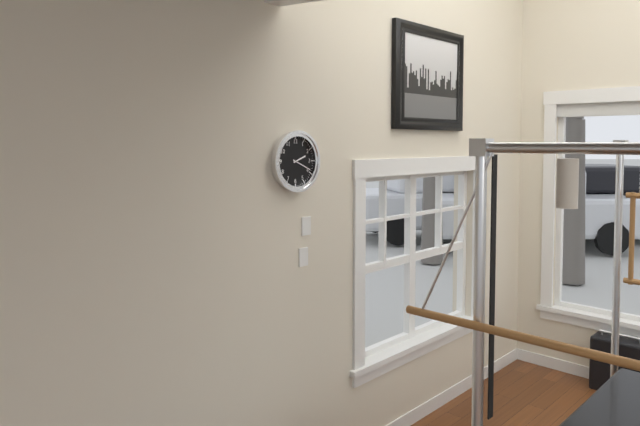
2:19
